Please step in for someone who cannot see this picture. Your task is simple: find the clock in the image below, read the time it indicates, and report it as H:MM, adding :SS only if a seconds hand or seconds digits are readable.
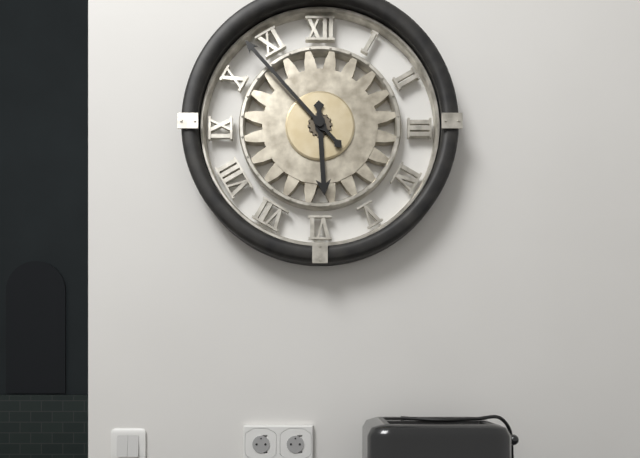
5:53
